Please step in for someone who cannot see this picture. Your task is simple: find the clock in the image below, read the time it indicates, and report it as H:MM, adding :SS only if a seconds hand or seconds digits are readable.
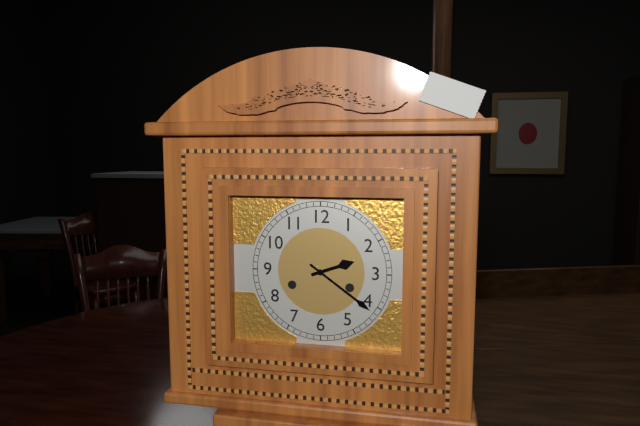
2:21
